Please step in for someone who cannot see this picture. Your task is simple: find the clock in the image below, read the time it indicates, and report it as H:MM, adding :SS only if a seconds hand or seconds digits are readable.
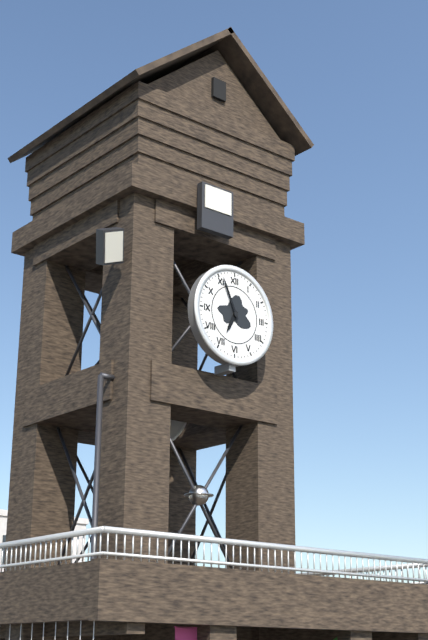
6:56
